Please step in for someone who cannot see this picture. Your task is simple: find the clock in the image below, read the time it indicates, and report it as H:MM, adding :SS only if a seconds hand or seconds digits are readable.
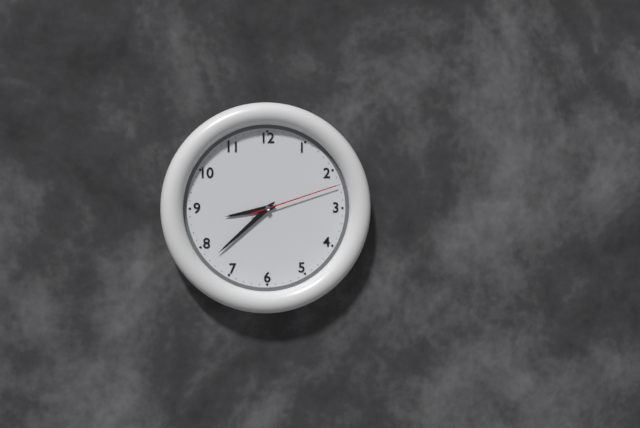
8:38:12
